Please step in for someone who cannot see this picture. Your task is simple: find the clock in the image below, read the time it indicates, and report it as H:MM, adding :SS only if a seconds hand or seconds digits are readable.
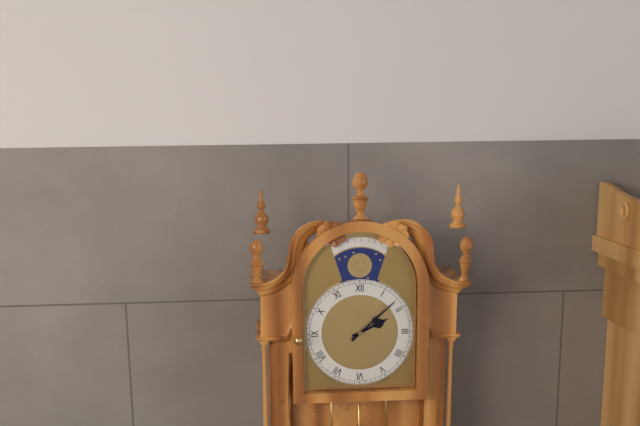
2:08
